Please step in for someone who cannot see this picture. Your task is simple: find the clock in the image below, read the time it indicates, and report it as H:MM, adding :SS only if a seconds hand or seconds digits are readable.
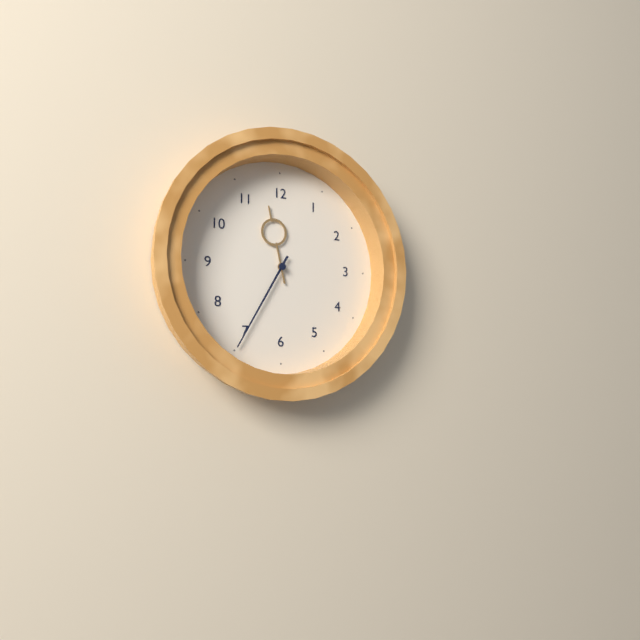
11:35
